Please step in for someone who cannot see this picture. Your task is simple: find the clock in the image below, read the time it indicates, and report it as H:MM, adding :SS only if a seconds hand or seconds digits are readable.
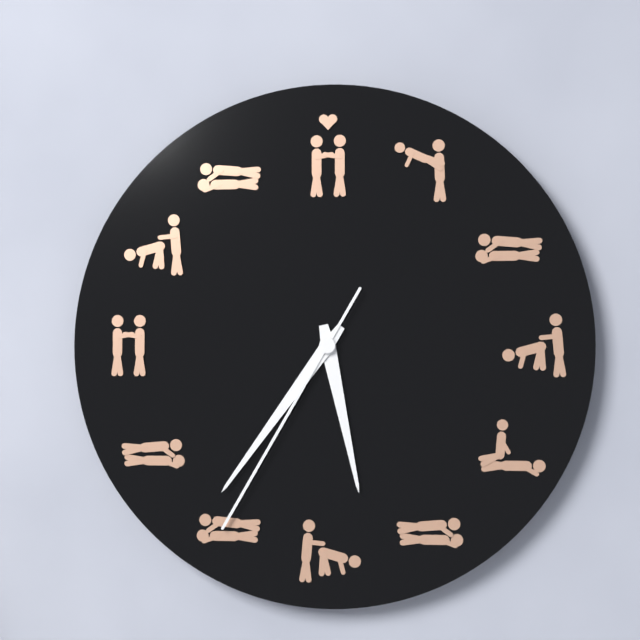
5:36:35
